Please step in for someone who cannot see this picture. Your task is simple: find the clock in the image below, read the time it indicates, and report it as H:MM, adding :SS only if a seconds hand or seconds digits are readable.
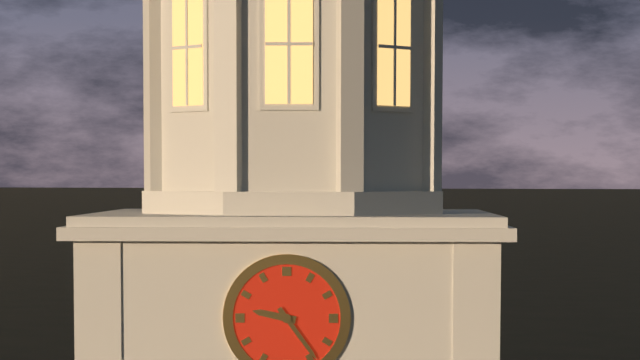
9:24
